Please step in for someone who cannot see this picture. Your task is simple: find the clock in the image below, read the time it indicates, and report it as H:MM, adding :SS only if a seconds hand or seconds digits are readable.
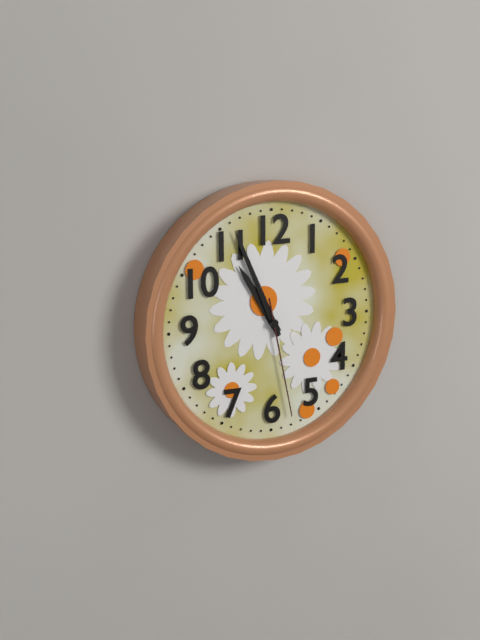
10:56:28
